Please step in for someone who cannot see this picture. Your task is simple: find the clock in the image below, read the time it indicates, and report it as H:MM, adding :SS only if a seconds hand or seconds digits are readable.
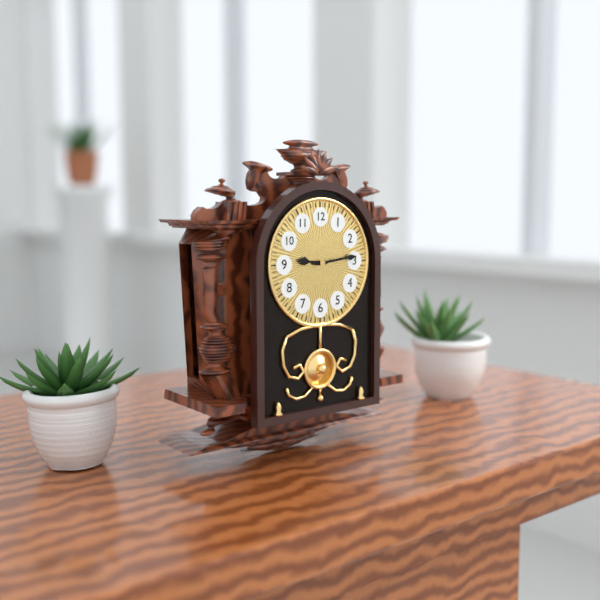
9:14
